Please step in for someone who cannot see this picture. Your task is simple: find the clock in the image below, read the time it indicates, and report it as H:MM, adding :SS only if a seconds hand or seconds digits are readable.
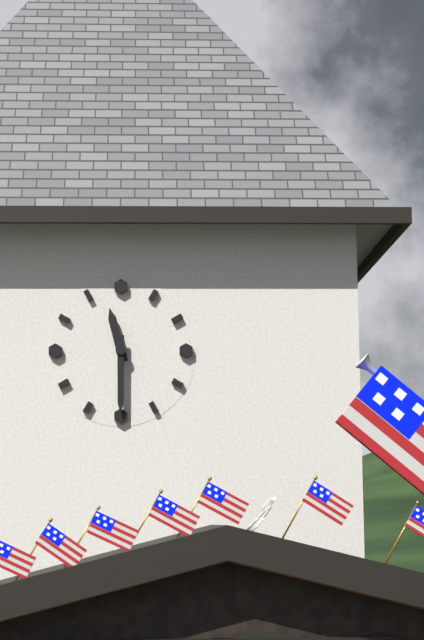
11:30
